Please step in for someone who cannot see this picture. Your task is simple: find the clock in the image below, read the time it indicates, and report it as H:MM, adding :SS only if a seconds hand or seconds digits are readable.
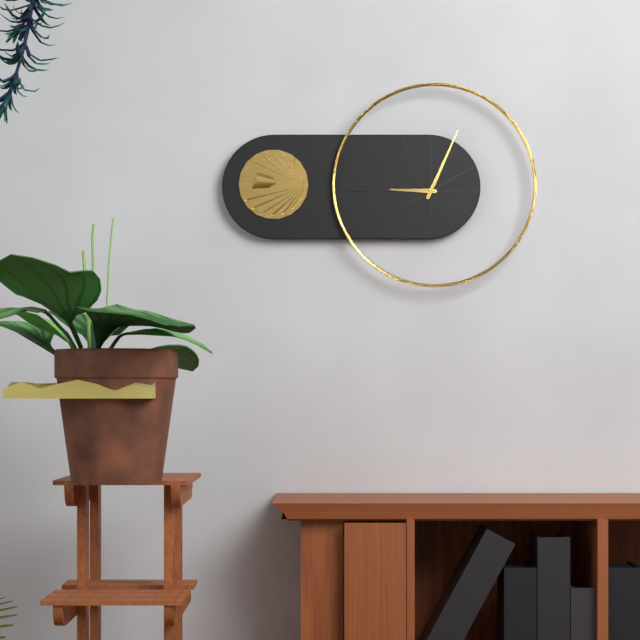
9:04
